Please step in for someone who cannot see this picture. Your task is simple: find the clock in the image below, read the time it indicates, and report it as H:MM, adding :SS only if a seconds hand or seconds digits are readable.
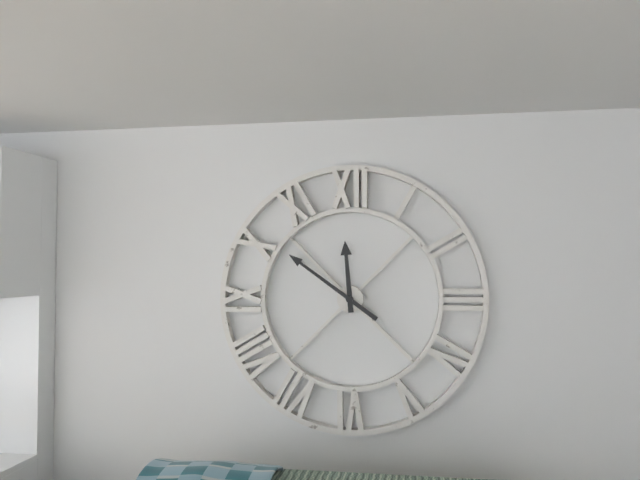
11:51
